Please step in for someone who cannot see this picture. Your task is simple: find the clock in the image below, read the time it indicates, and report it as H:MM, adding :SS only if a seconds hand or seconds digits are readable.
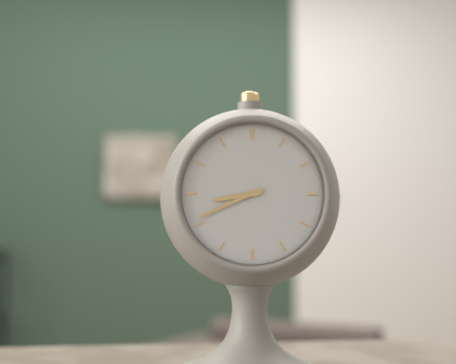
8:41
